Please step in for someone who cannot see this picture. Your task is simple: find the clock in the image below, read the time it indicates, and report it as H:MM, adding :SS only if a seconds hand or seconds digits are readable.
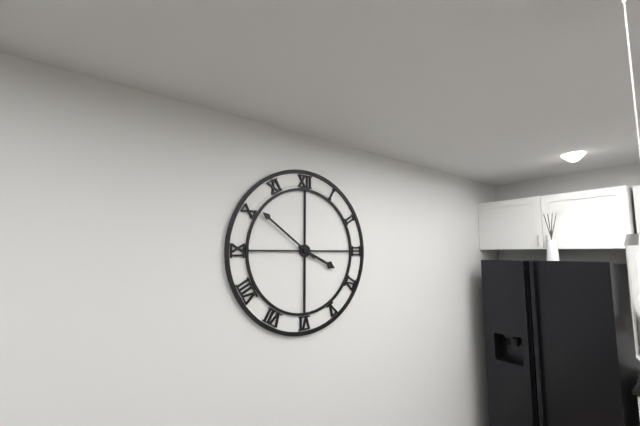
3:51
